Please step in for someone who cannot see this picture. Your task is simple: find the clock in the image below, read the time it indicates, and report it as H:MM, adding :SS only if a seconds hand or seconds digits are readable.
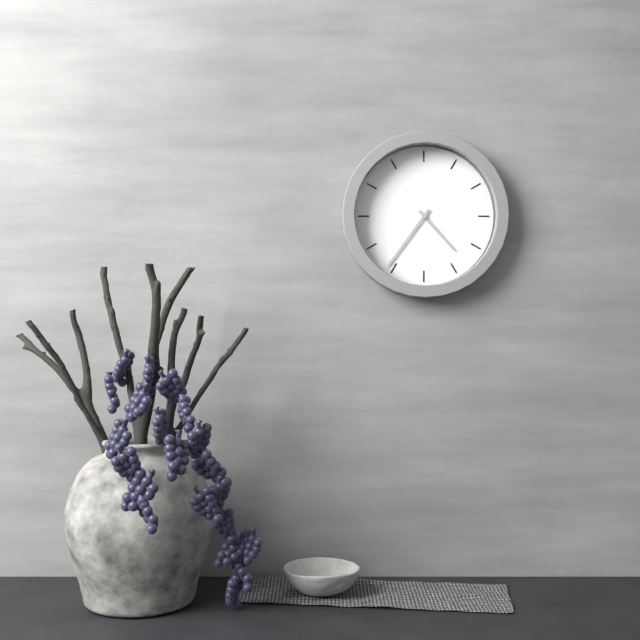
4:36
